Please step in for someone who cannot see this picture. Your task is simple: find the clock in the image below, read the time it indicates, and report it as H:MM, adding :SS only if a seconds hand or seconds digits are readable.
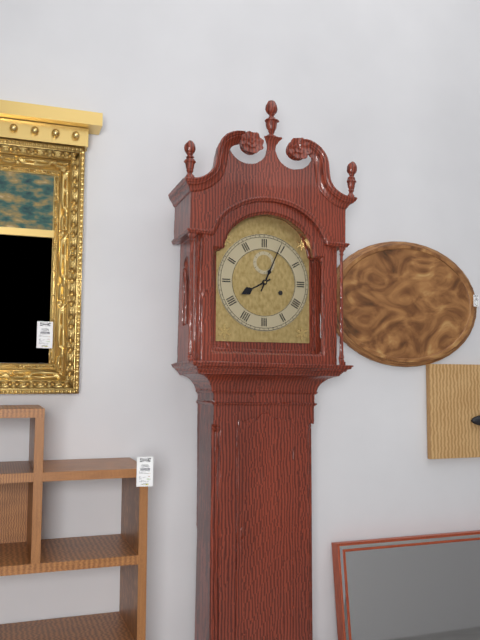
8:04
